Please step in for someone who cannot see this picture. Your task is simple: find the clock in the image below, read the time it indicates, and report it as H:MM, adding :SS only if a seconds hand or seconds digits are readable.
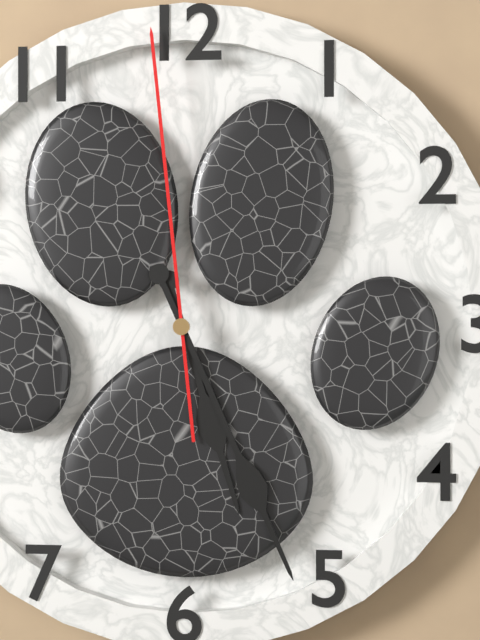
5:26:59
